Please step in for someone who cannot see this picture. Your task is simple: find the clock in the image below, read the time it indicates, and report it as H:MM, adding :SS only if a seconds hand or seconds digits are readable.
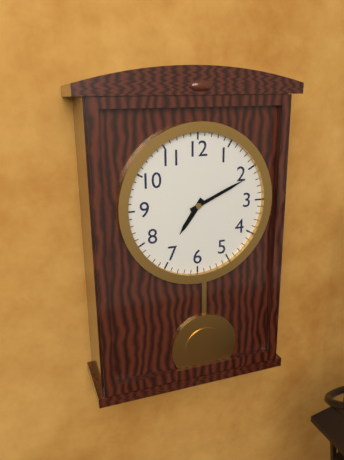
7:11
